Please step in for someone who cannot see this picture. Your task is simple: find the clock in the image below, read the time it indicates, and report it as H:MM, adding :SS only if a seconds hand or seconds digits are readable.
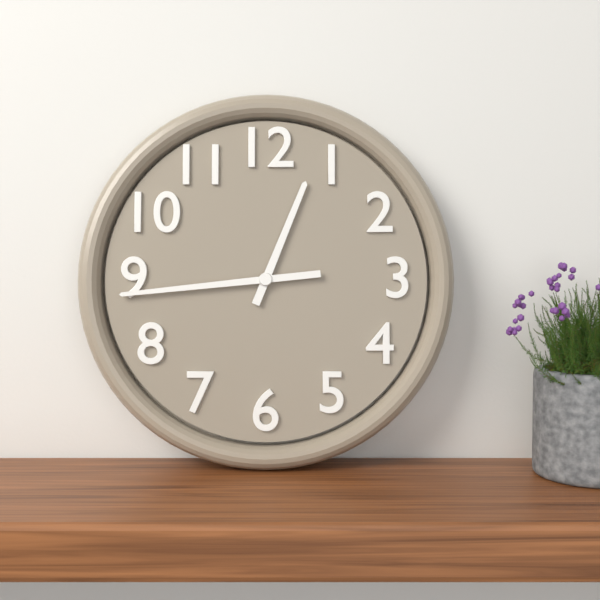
12:44
